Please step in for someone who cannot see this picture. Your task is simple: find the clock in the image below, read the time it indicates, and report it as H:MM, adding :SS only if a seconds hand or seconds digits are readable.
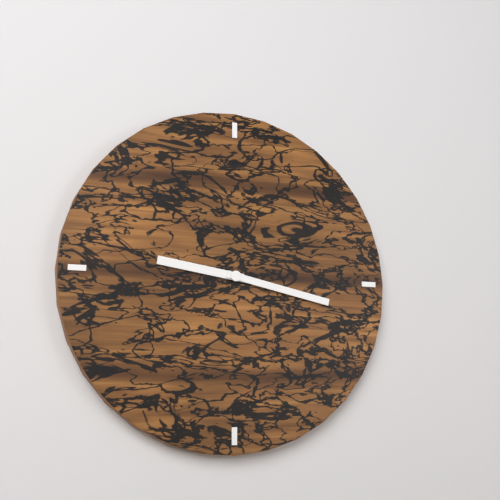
9:17
